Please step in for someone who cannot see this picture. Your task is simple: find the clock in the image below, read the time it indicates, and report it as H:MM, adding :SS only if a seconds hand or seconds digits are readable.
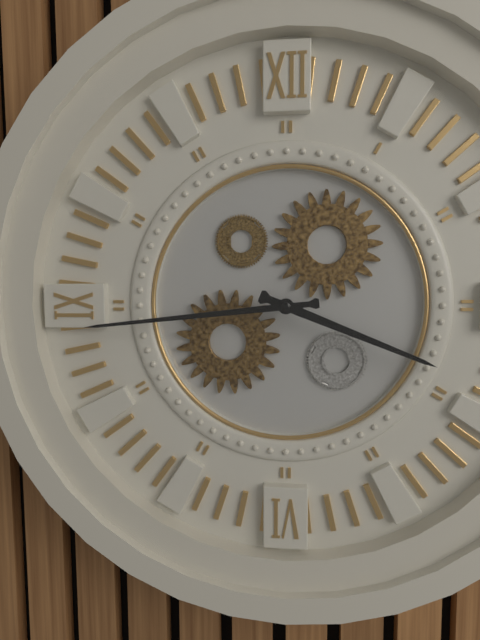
3:44
